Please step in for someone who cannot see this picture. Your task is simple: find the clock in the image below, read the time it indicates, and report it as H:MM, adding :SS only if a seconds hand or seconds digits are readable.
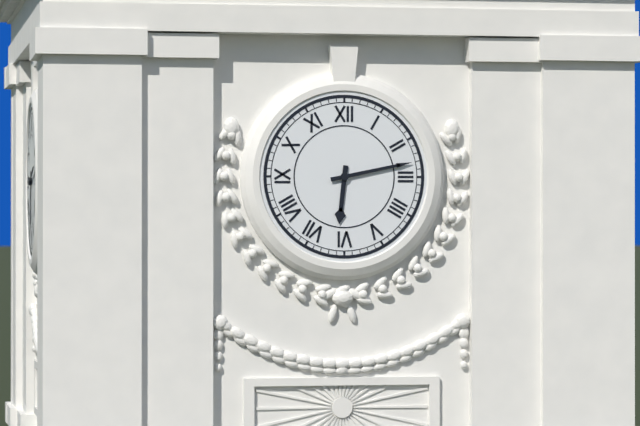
6:13
